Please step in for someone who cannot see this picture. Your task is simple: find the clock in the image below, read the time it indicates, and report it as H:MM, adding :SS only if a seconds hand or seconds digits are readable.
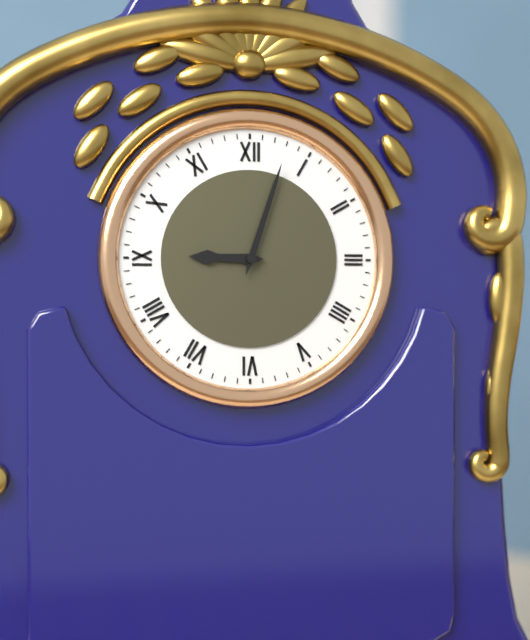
9:03
